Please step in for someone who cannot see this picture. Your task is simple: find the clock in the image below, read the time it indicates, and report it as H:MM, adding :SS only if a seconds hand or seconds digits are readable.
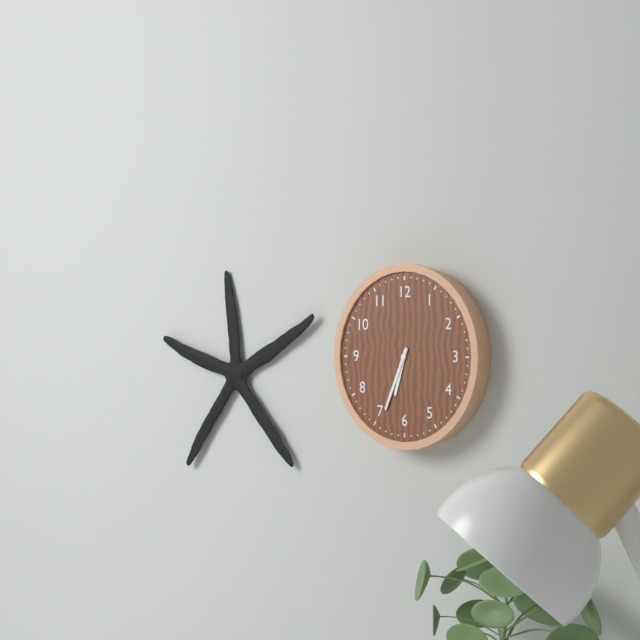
6:34
